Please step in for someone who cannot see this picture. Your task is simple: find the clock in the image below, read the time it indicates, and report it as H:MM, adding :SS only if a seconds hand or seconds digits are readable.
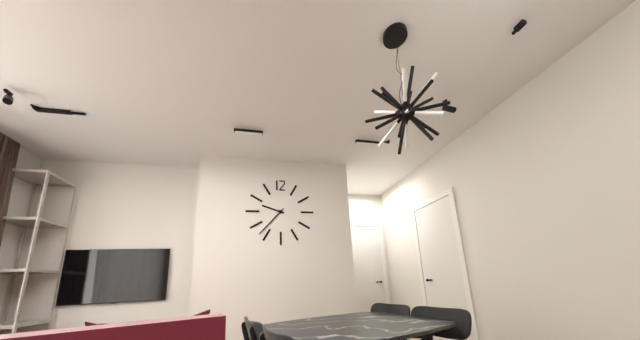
9:37
